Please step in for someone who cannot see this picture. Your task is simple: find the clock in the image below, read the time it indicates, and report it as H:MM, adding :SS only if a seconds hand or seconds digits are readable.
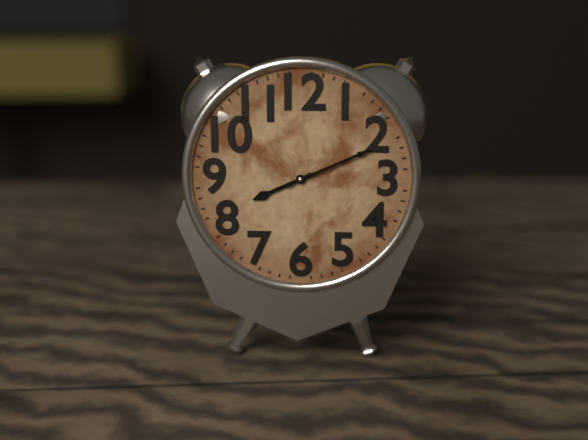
8:11
